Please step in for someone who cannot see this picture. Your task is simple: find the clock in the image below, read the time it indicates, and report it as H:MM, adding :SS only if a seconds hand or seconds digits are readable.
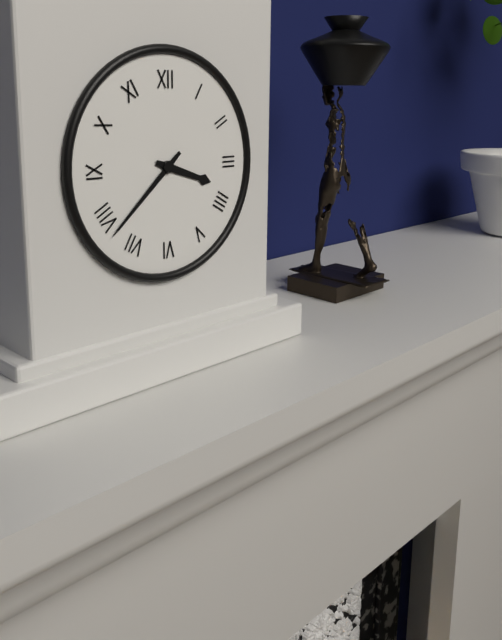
3:38
